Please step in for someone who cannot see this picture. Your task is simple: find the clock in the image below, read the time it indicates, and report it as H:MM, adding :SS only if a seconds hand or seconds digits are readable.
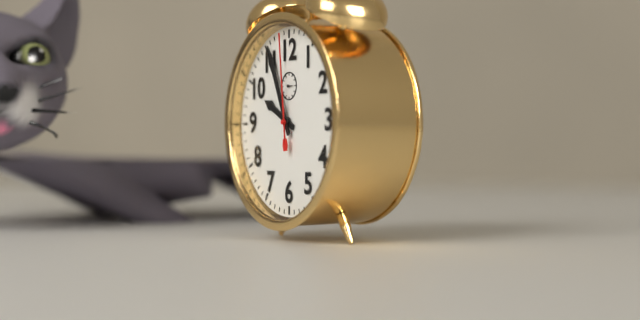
9:56:59
